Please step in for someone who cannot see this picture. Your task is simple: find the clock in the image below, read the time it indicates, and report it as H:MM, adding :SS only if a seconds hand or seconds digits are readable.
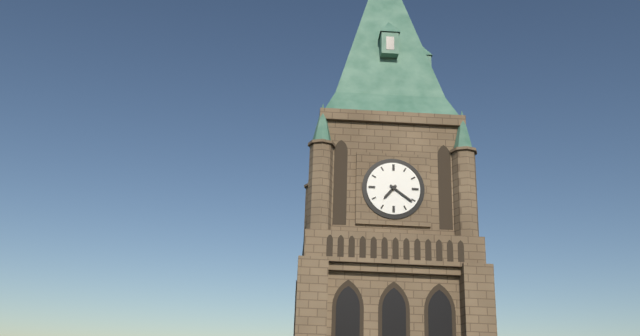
7:21
